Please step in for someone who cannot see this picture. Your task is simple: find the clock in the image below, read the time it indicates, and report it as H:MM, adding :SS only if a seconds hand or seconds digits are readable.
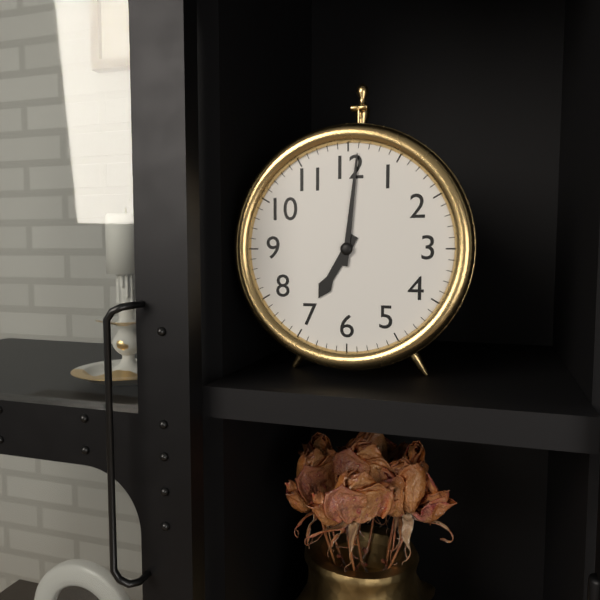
7:01
